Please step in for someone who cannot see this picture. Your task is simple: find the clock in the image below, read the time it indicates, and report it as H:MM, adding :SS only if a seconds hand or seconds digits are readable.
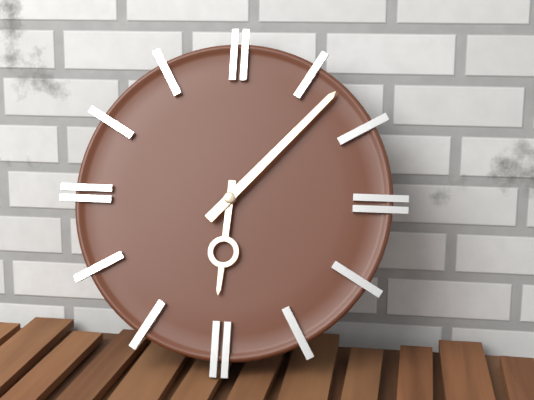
6:07
